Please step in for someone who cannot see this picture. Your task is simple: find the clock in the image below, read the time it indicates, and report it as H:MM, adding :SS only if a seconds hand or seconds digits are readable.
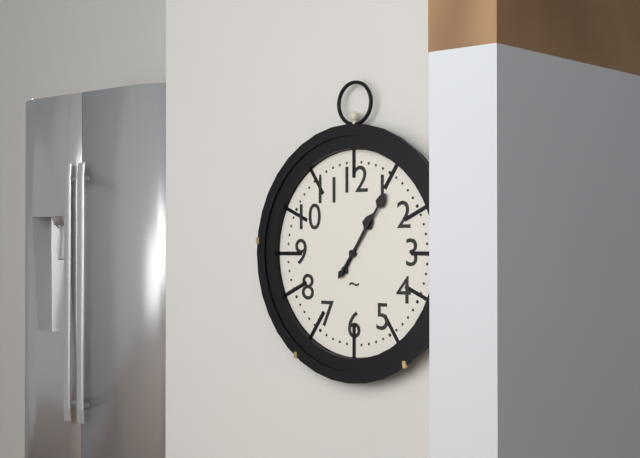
1:06
